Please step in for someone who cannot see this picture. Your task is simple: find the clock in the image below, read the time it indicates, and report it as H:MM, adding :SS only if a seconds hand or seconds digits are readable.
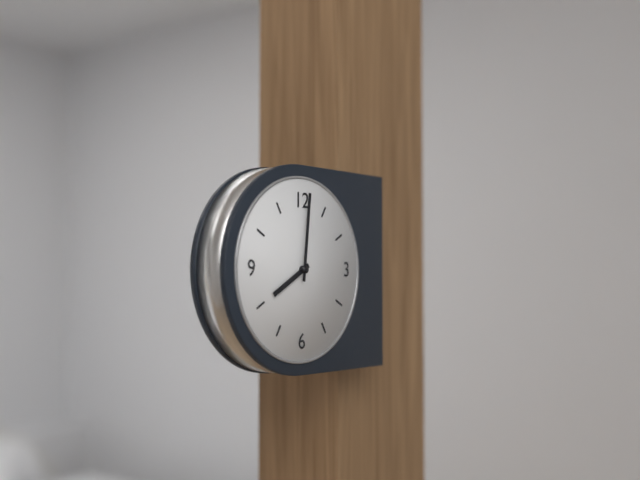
8:01
